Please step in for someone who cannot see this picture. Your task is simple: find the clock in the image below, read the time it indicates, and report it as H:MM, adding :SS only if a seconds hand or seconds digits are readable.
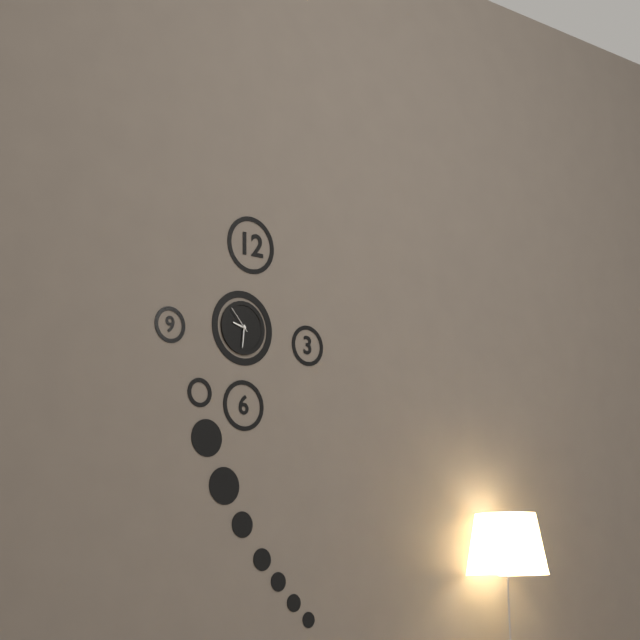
9:31
